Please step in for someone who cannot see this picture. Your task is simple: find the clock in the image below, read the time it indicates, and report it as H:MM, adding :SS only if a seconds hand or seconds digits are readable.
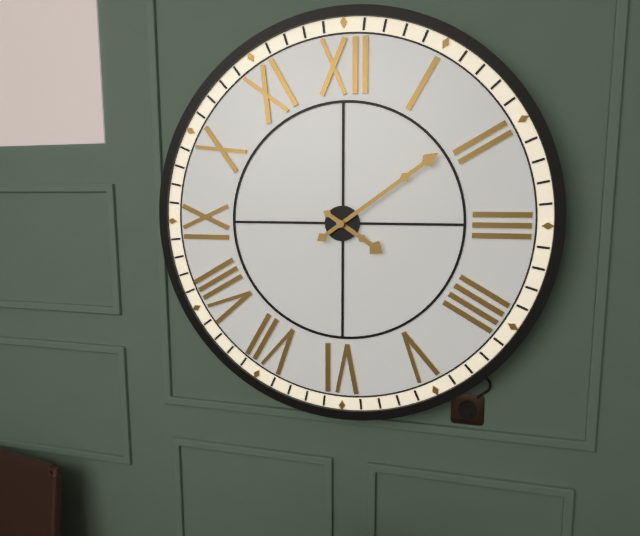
4:09
